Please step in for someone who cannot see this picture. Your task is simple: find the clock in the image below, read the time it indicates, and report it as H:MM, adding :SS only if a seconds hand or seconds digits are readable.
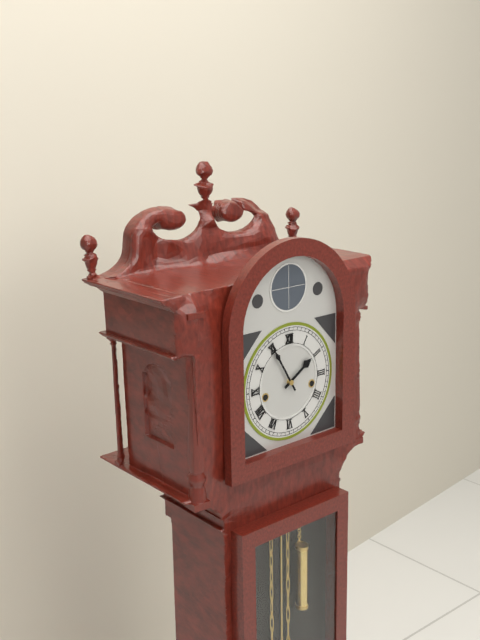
1:55
